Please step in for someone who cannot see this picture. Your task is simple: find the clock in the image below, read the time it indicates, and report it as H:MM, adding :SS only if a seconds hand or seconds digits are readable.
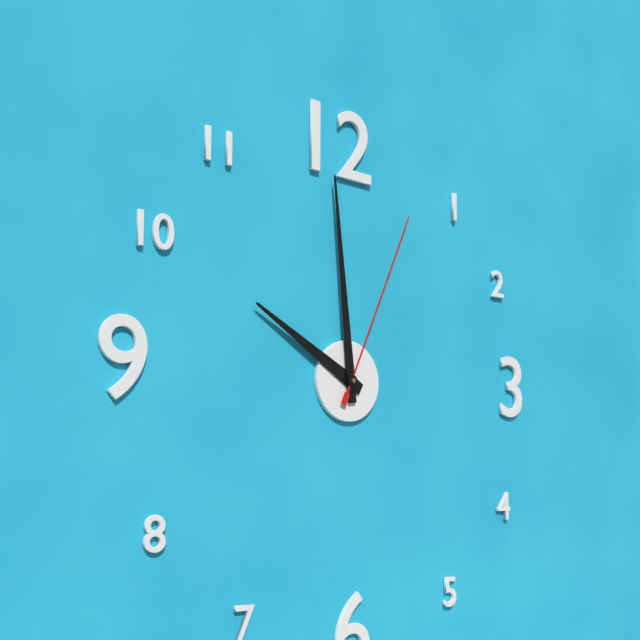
9:59:04
